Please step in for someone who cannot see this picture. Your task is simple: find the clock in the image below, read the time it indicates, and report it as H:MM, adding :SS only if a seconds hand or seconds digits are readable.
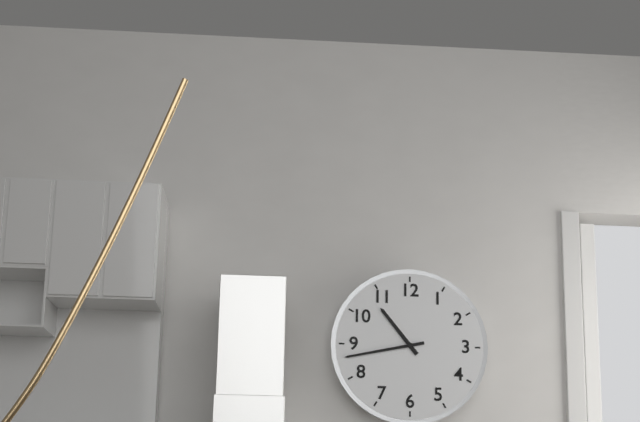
10:43
